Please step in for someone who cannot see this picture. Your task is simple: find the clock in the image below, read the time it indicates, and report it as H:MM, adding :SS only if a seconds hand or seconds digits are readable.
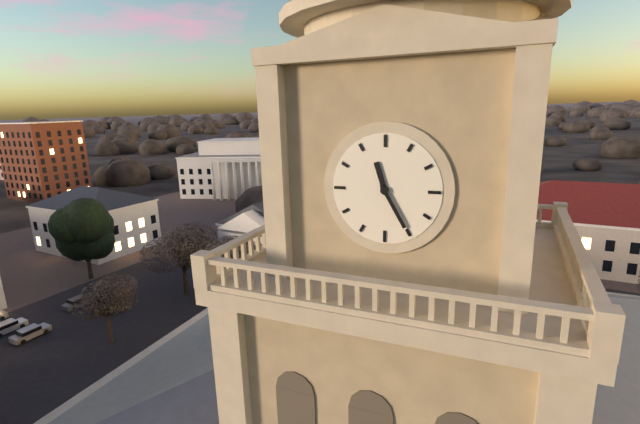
11:25
